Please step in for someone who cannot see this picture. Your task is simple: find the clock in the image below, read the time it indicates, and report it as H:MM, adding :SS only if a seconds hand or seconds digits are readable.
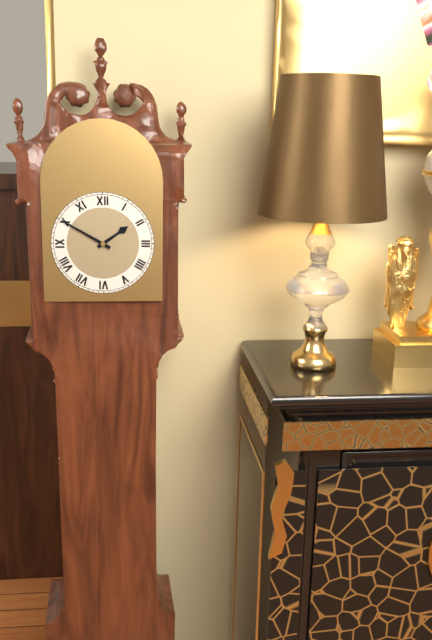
1:50
